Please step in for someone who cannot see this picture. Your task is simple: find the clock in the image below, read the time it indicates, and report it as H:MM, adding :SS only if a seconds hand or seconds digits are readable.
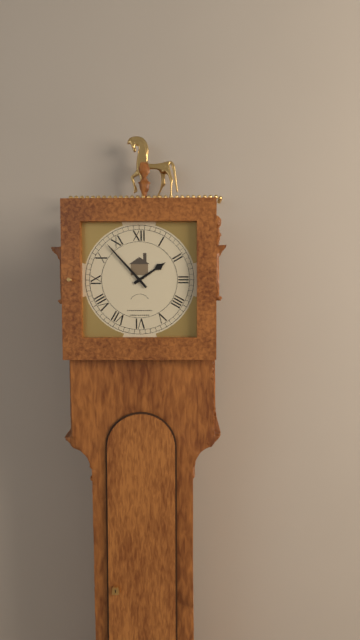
1:53
